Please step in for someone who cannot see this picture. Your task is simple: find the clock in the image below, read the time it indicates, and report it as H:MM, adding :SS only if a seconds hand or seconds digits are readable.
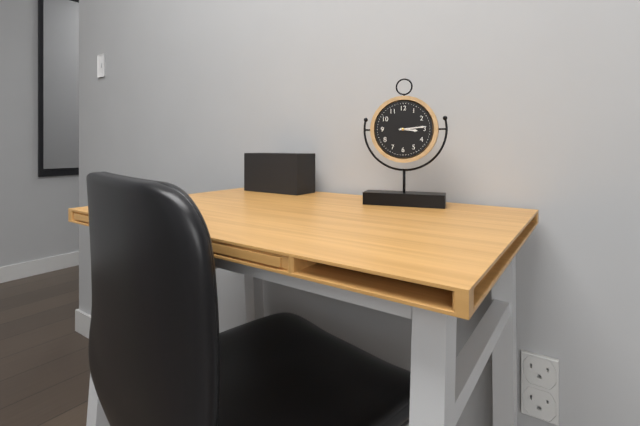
3:14
